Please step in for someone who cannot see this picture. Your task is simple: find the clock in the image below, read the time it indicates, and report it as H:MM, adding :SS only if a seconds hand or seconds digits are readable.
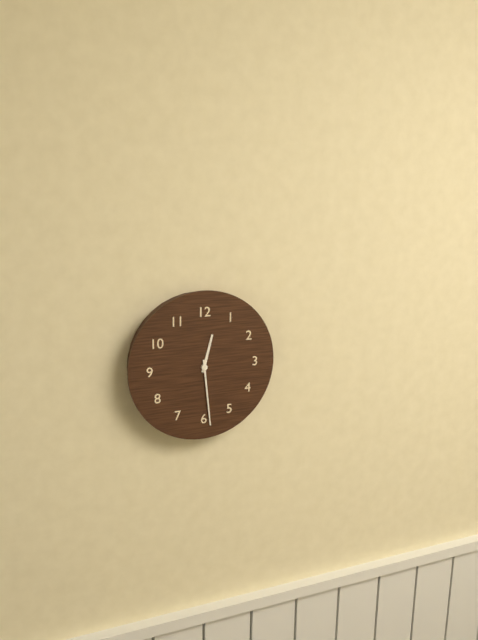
12:29
